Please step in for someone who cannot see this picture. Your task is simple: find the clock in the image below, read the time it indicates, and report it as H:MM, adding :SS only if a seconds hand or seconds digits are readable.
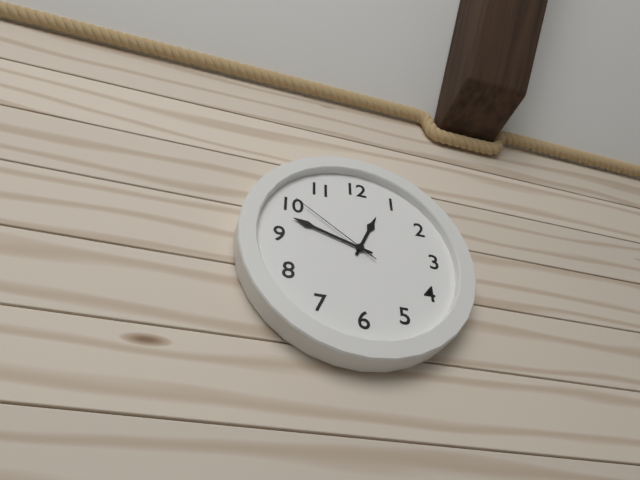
12:48:51
